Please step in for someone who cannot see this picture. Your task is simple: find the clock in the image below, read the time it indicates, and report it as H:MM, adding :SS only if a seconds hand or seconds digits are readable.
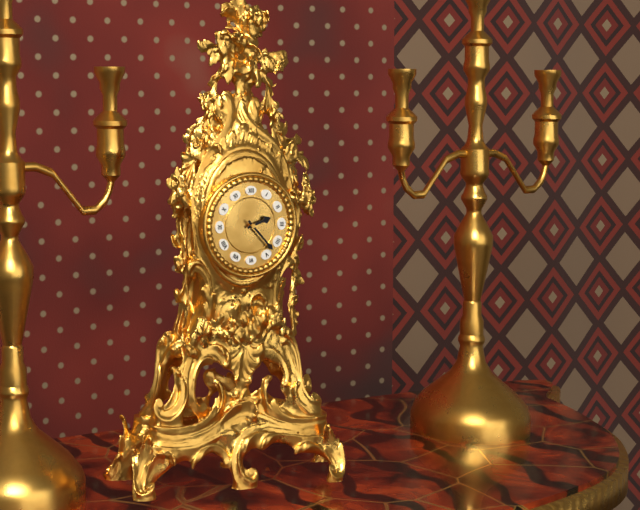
2:23
